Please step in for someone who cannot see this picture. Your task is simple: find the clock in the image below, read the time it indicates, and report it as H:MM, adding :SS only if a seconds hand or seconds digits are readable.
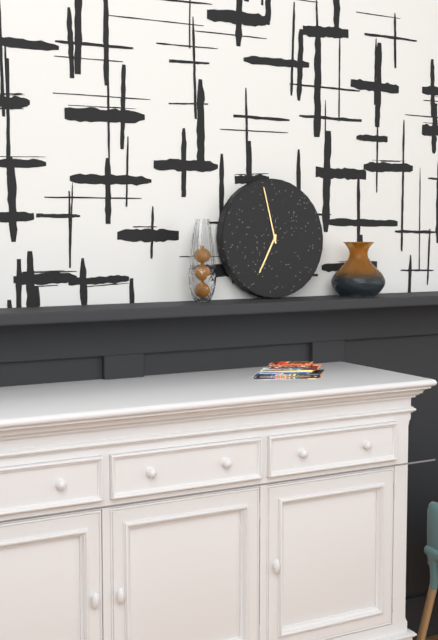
6:58
